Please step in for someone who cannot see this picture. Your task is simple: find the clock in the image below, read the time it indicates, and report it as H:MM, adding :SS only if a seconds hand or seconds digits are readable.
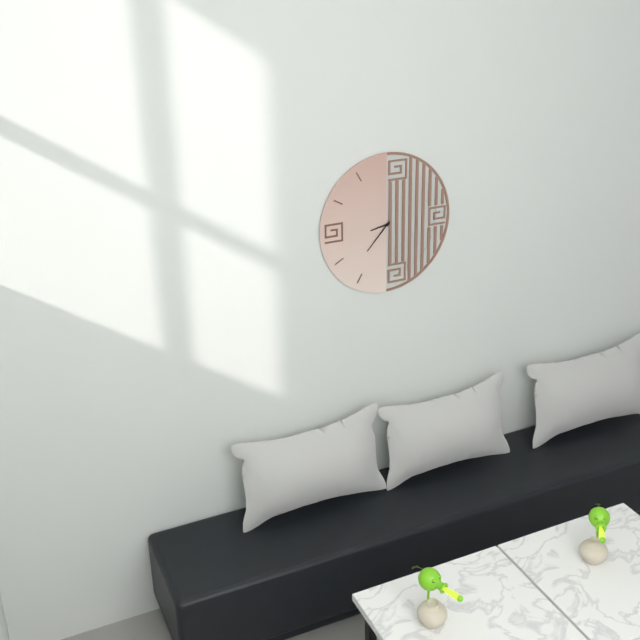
8:37
